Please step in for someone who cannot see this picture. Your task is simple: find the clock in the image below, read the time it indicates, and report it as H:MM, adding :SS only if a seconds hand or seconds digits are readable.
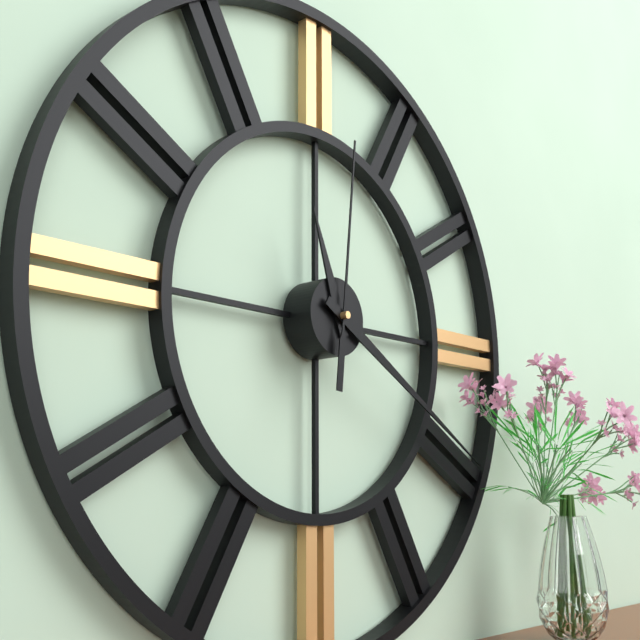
11:20:01
